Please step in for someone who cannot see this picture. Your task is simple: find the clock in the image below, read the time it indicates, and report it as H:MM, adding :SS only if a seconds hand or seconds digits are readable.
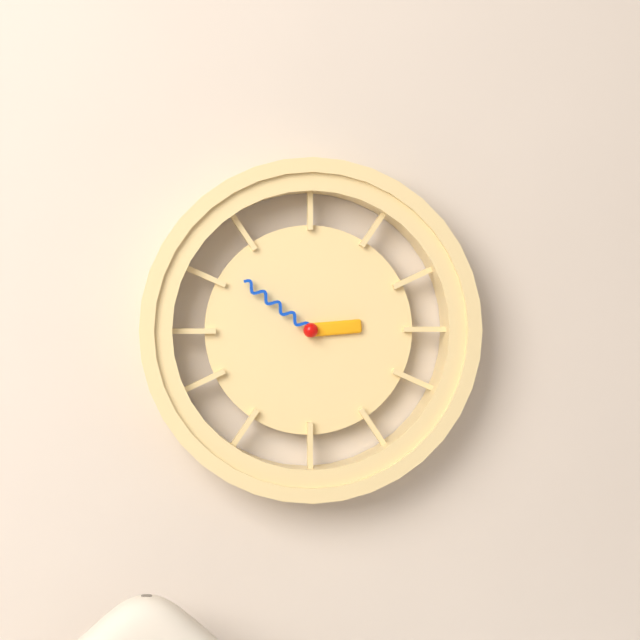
2:51
